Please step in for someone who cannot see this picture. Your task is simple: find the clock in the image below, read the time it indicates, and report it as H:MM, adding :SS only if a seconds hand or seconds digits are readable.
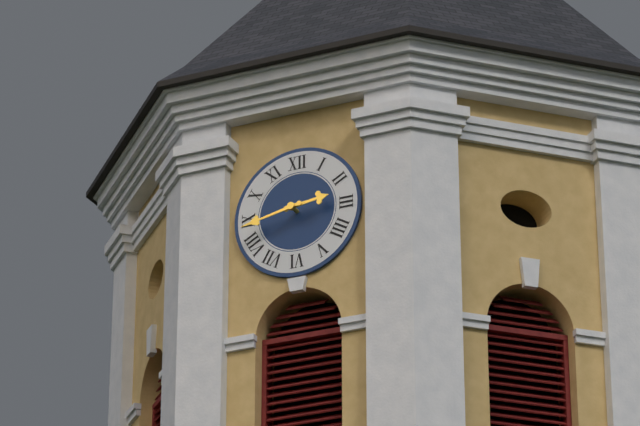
2:43
